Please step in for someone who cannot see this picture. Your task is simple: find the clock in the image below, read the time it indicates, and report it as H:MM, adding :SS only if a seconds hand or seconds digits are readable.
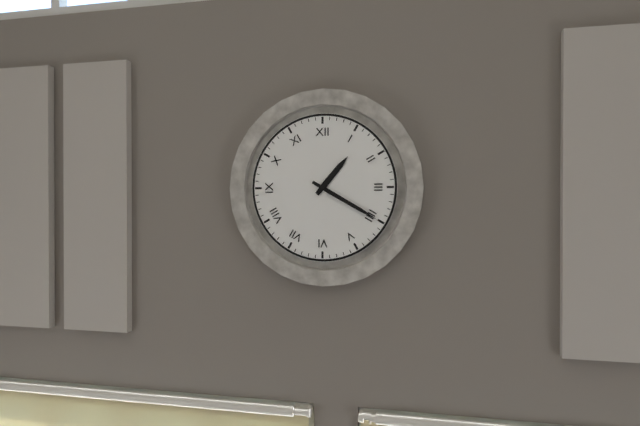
1:20
